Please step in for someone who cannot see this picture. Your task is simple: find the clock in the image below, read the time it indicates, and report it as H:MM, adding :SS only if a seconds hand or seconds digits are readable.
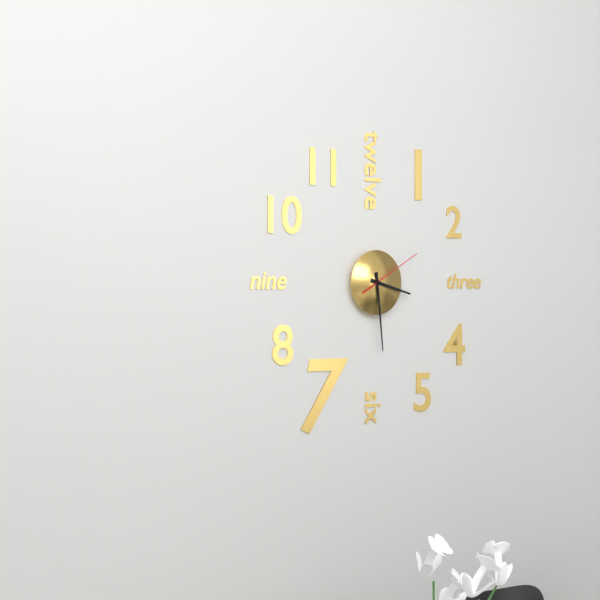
3:29:10
